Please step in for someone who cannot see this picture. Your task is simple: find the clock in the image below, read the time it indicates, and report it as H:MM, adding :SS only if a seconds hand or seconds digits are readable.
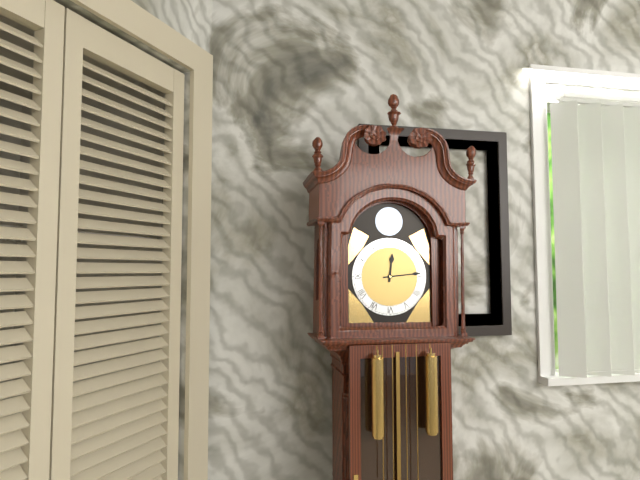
12:14
